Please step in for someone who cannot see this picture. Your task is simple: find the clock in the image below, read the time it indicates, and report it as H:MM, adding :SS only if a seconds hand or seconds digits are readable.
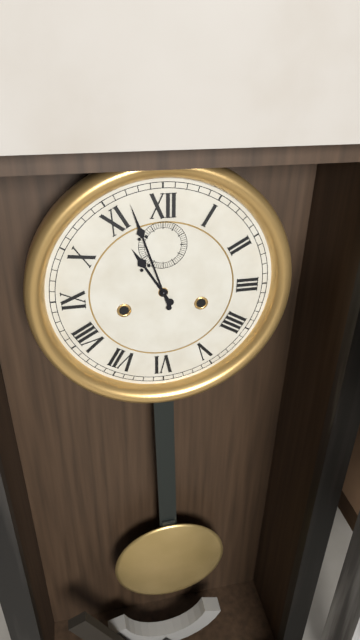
10:57
